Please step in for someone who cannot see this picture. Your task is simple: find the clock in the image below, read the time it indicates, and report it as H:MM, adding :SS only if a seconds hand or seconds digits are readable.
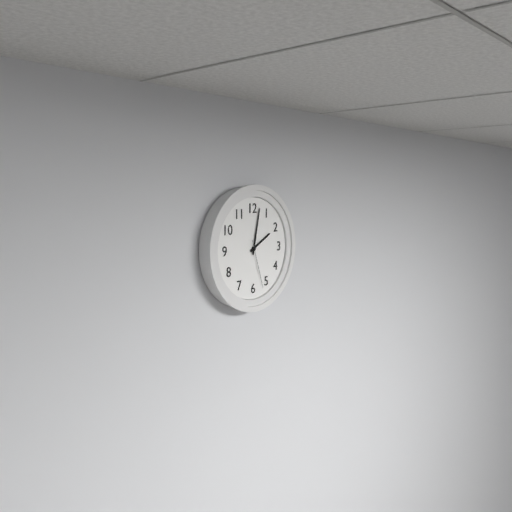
2:02:27
